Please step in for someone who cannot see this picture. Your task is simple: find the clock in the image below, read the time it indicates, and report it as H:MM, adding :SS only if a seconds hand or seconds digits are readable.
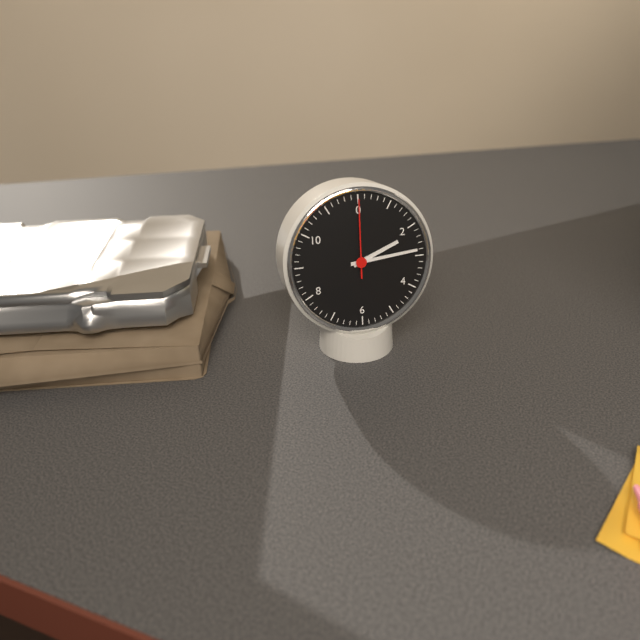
2:14:00
